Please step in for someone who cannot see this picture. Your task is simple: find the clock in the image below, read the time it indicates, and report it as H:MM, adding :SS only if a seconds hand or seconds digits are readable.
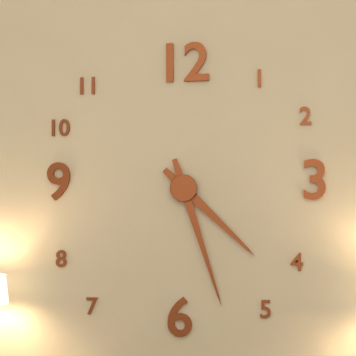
4:27
